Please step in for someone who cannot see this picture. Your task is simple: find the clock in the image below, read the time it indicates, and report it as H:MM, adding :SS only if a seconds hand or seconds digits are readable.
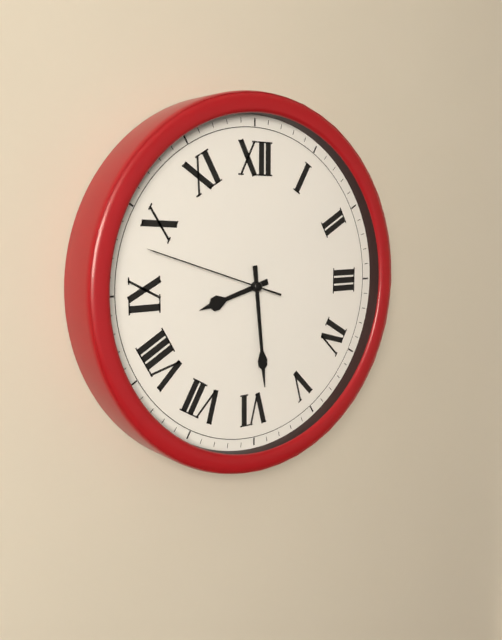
8:29:48
